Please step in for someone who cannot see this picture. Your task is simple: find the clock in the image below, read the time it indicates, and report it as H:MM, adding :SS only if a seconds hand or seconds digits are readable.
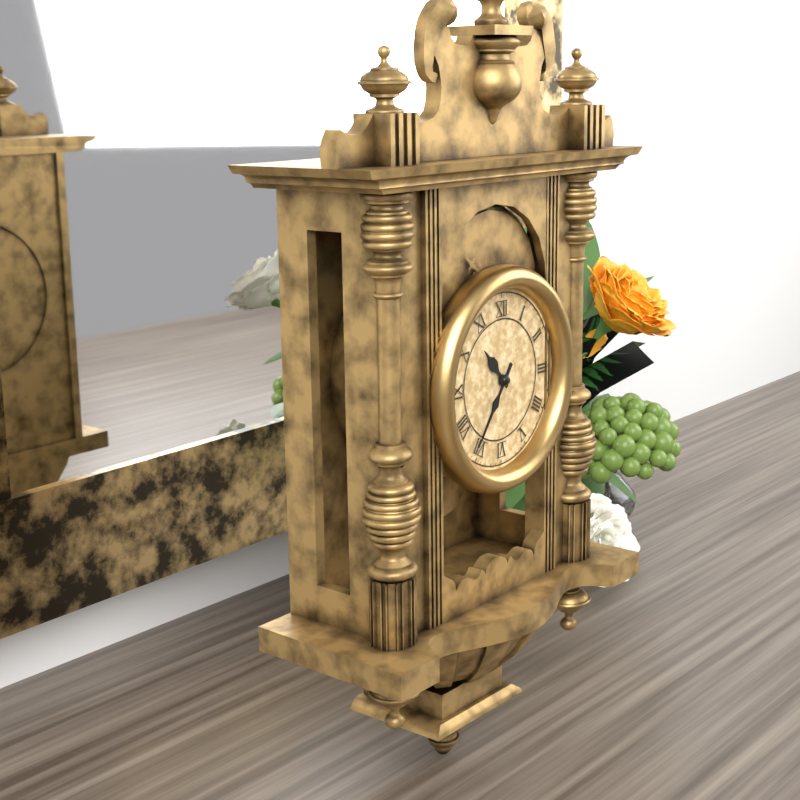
10:36
